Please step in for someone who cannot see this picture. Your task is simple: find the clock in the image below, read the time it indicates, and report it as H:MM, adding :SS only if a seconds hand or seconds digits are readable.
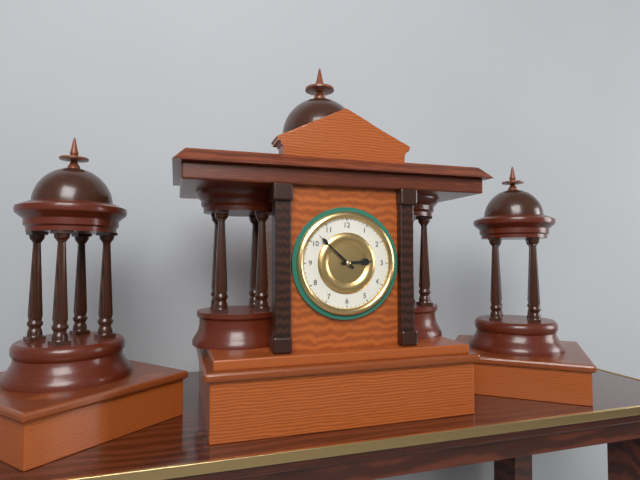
2:52
